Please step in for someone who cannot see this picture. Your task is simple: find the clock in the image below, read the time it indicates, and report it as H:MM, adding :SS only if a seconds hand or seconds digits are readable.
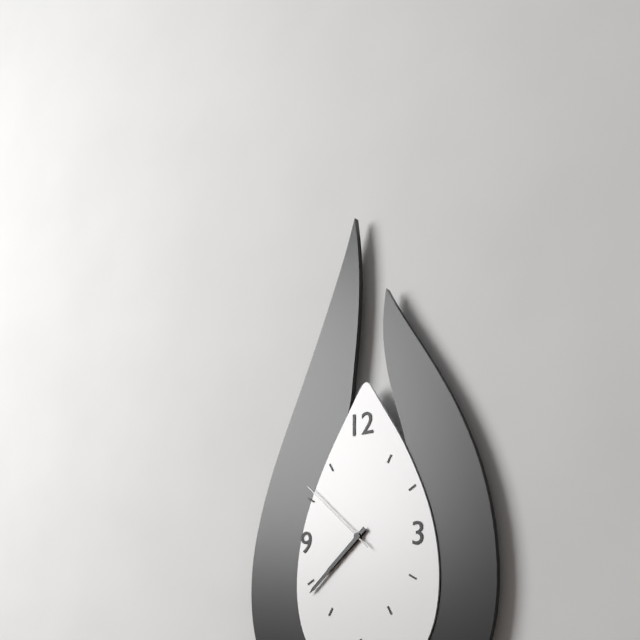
7:38:52
